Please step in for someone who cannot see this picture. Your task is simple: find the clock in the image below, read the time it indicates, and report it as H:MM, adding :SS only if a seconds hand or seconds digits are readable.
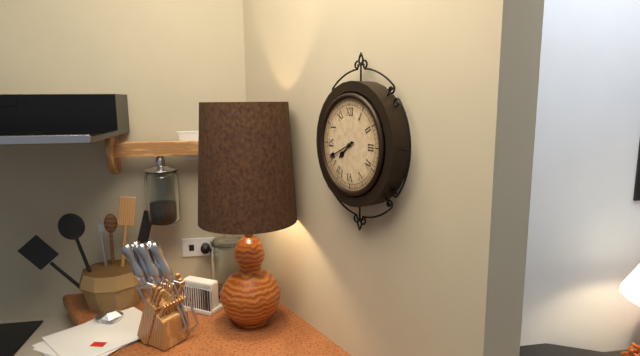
7:41
